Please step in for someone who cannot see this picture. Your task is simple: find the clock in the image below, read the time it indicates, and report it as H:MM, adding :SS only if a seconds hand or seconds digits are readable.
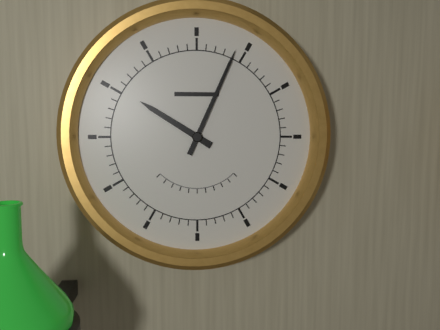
10:04
